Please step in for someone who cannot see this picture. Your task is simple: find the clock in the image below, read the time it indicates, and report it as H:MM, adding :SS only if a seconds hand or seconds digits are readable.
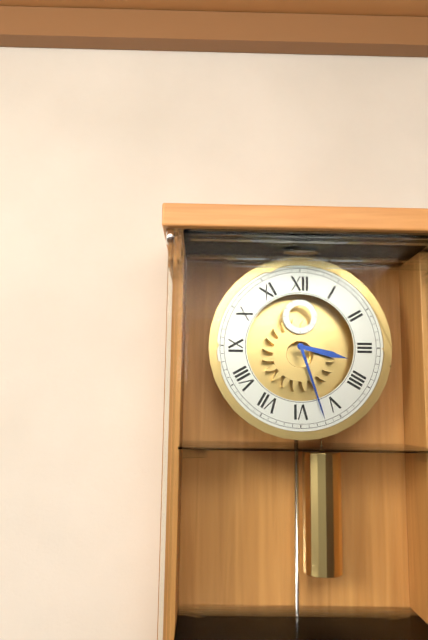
3:27
